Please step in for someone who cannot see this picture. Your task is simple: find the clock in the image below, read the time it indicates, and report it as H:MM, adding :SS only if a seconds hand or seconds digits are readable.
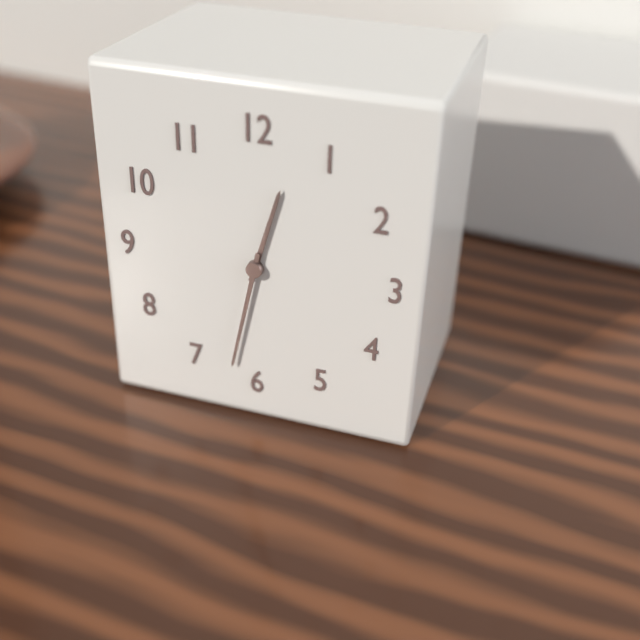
12:32
